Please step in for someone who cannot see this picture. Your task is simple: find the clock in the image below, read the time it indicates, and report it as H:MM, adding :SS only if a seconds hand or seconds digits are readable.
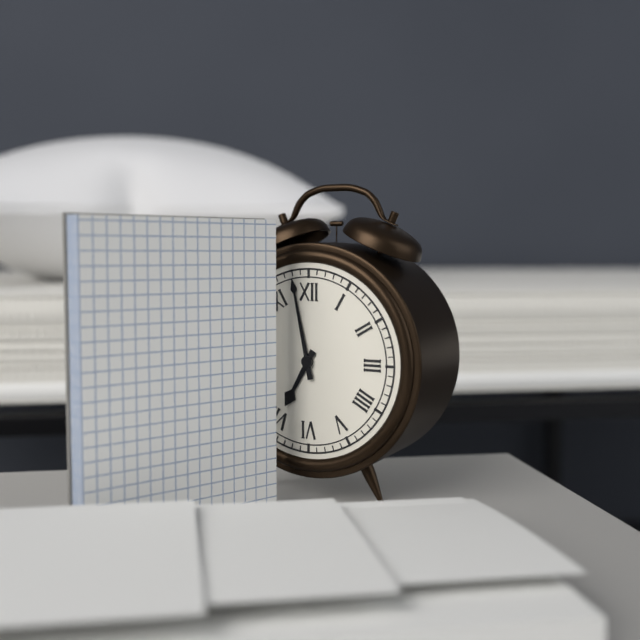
6:58
